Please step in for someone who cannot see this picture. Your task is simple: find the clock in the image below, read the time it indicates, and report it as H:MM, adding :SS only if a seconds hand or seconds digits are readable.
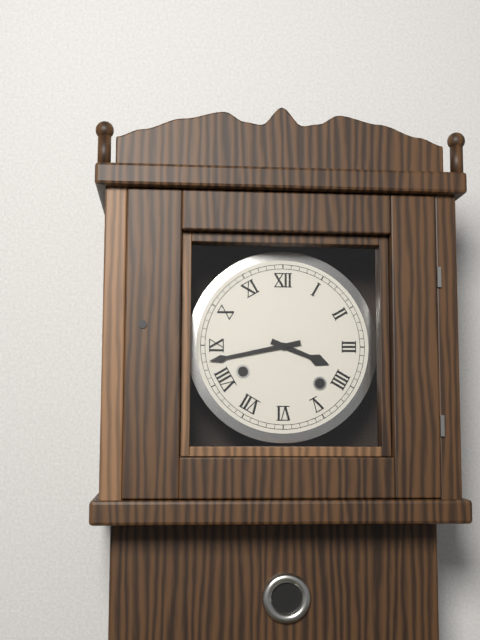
3:43
